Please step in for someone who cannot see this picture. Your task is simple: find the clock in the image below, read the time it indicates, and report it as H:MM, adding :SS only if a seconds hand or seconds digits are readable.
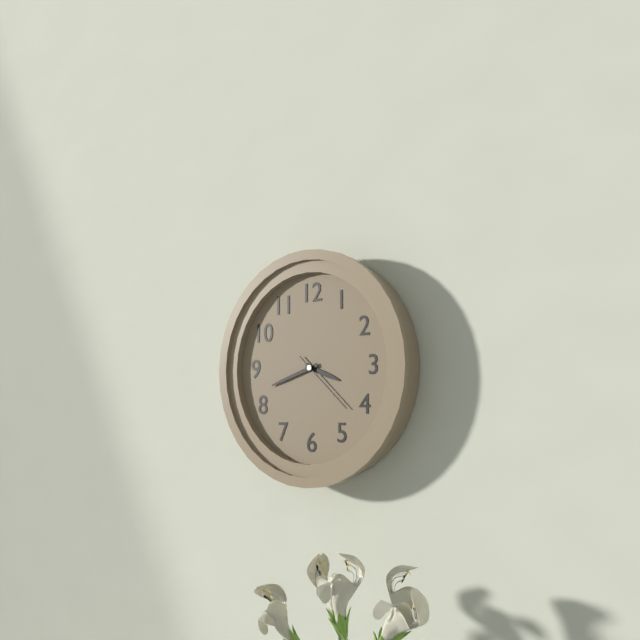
3:42:22
